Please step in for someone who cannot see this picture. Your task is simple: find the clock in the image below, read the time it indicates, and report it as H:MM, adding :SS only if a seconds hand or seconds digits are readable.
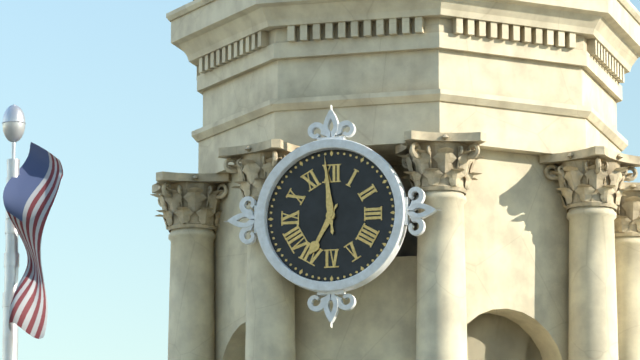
6:59
